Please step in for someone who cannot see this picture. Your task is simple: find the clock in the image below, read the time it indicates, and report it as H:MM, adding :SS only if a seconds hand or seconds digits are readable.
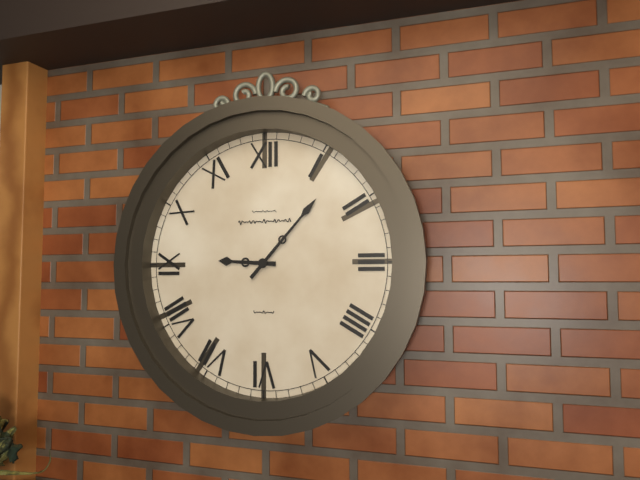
9:07
